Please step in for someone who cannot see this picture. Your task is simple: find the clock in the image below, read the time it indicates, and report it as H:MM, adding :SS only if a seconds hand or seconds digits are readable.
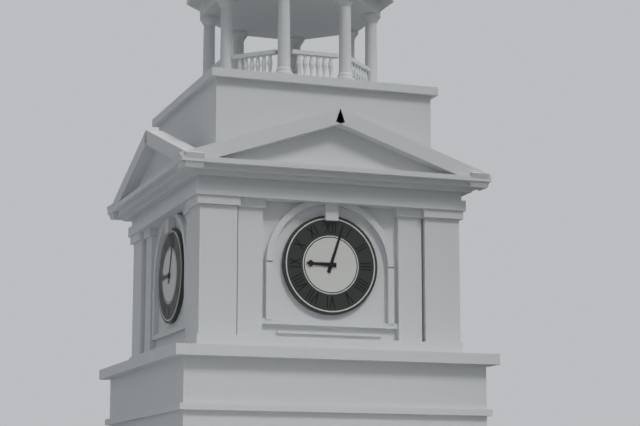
9:03
